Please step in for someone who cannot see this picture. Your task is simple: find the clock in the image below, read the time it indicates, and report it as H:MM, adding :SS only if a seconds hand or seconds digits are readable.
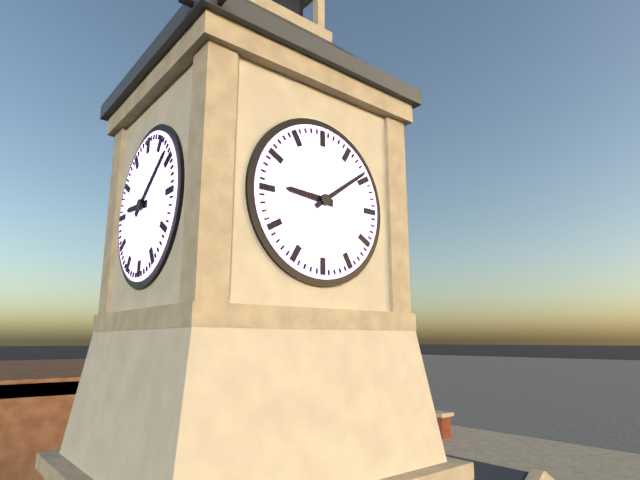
9:09
